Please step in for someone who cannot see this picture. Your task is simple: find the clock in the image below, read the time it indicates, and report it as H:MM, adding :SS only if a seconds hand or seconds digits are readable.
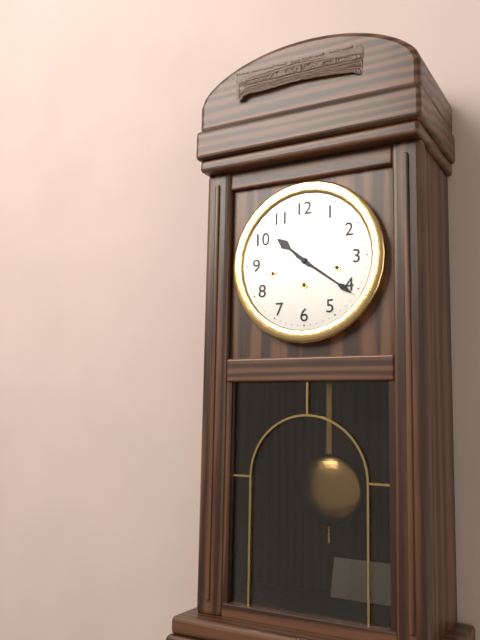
10:21
